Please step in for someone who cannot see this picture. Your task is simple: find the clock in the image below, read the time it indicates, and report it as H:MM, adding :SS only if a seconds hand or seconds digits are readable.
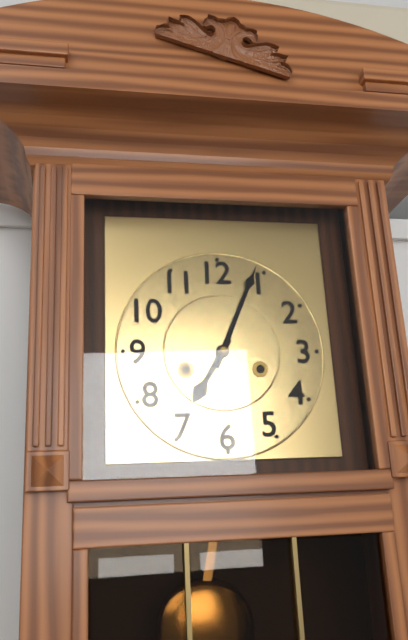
7:04
